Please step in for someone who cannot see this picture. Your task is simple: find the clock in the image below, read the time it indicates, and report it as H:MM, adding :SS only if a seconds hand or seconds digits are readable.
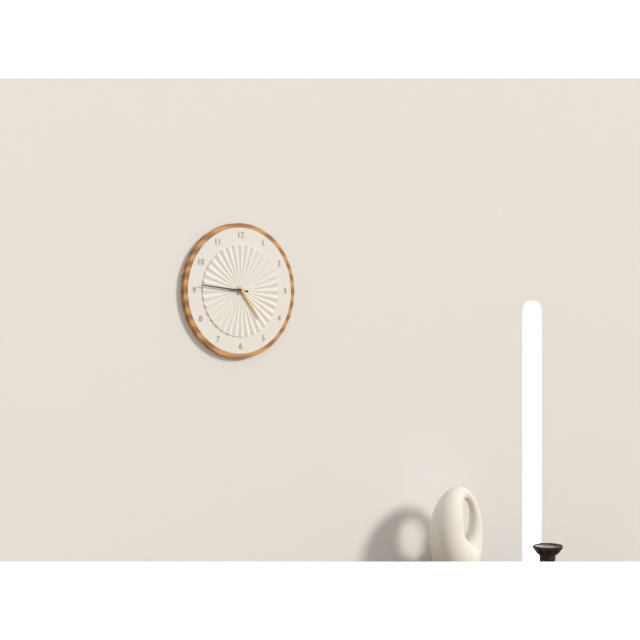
4:46
